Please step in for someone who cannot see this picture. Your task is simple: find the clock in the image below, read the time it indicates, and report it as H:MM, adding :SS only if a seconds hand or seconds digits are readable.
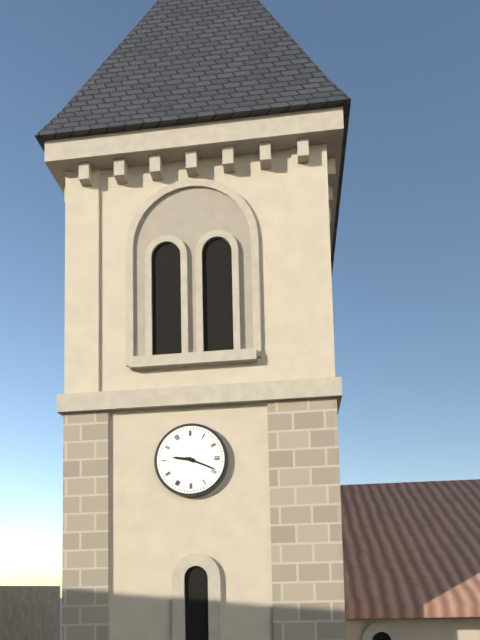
9:19
